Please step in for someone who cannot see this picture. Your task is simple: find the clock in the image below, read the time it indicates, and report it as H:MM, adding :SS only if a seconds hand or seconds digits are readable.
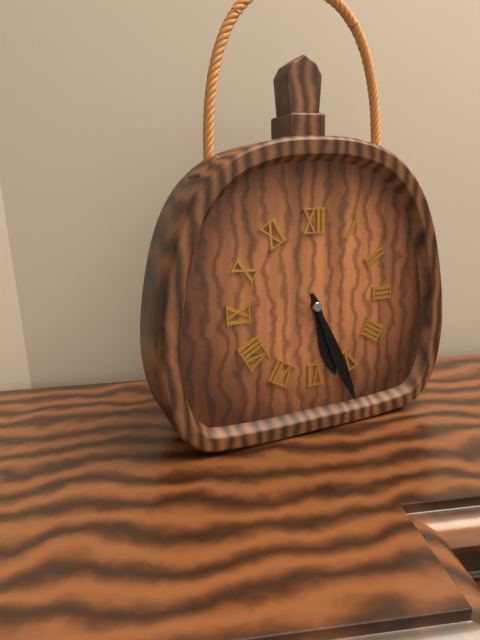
5:26
